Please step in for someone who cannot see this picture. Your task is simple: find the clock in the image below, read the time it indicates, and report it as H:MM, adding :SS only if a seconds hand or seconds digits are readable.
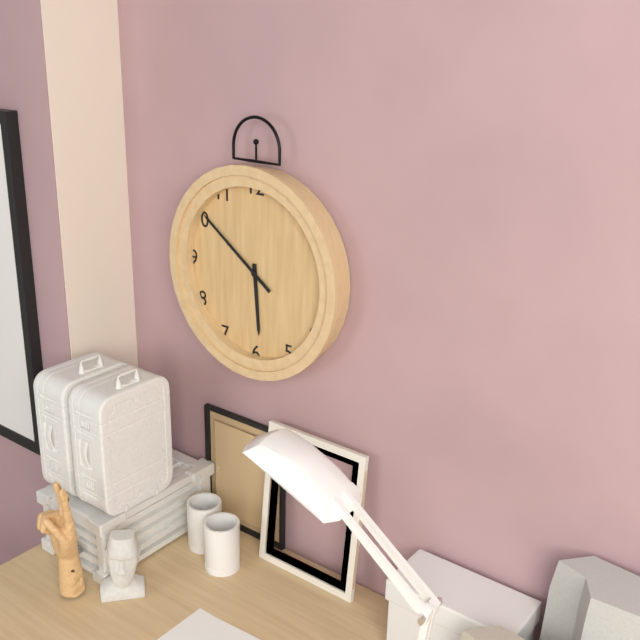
5:51
